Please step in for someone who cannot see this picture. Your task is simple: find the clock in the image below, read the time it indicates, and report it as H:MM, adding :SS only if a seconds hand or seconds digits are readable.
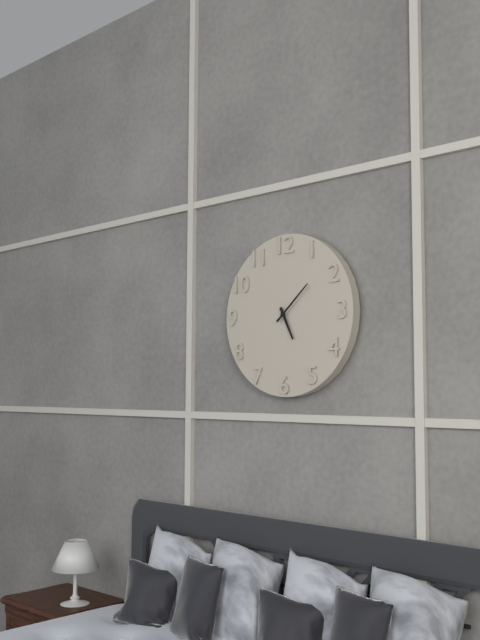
5:08
